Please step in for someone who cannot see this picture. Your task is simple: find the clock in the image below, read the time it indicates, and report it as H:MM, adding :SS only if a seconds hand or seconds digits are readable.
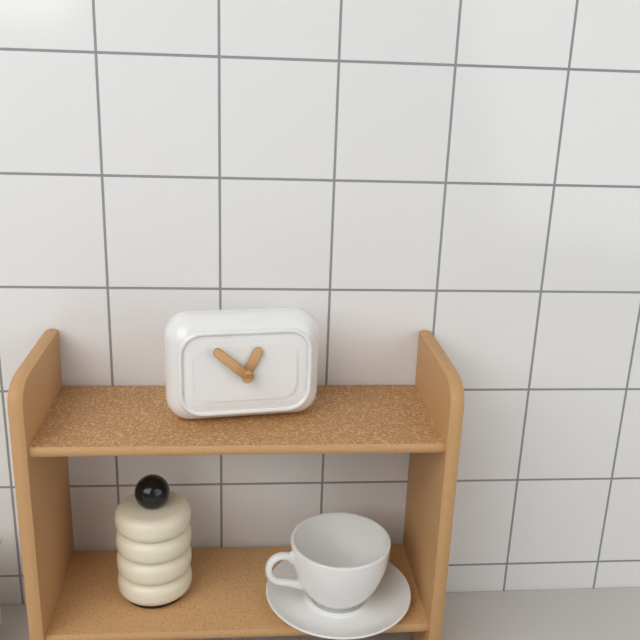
12:52
